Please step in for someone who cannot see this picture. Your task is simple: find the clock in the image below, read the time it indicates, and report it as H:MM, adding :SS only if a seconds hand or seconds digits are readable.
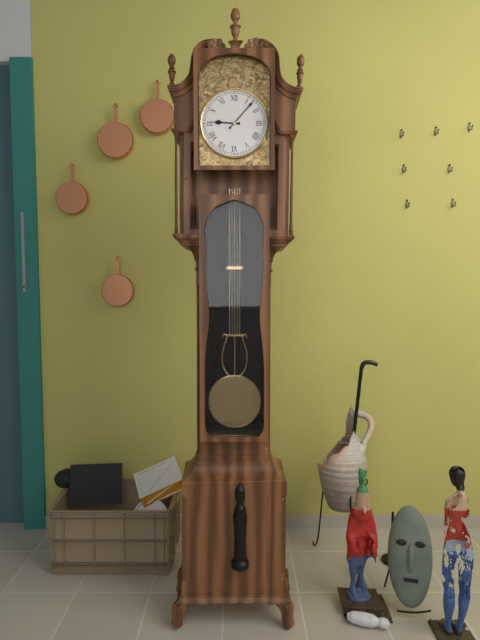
9:07
